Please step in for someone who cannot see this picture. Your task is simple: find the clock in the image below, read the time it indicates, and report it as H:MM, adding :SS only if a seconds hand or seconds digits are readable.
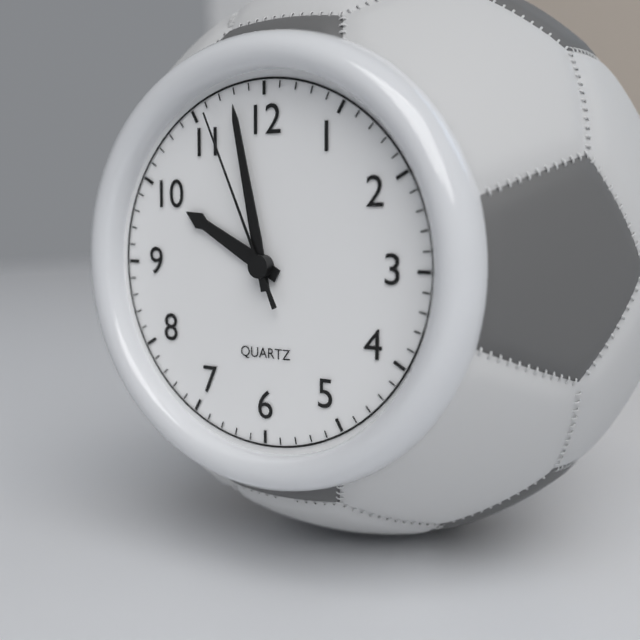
9:58:56
